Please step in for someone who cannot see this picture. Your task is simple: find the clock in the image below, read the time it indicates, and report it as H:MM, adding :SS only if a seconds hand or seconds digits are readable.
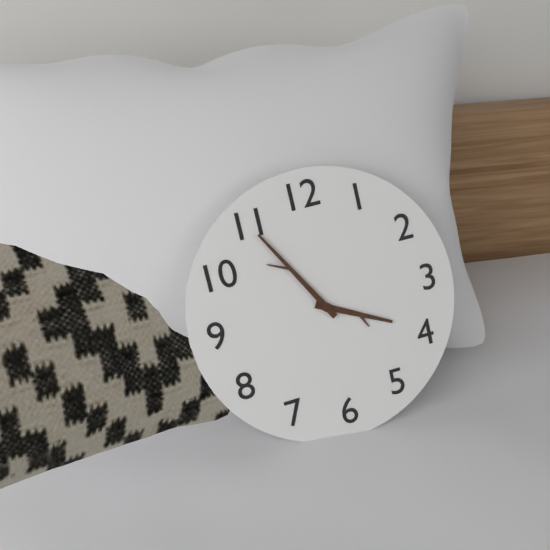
3:55
